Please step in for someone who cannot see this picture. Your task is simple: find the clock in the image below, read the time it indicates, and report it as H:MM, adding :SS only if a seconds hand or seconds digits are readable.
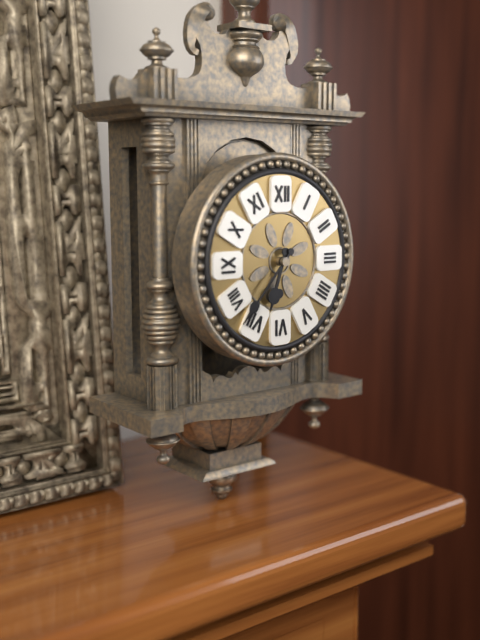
6:37
